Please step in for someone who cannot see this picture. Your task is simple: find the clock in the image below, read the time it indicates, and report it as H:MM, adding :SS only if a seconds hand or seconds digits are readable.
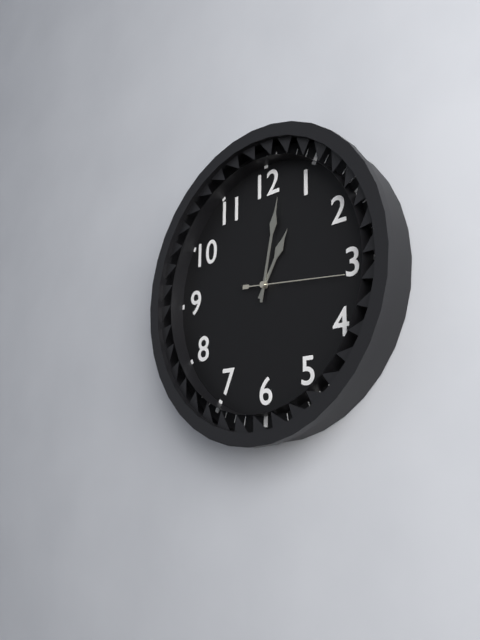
1:02:16
